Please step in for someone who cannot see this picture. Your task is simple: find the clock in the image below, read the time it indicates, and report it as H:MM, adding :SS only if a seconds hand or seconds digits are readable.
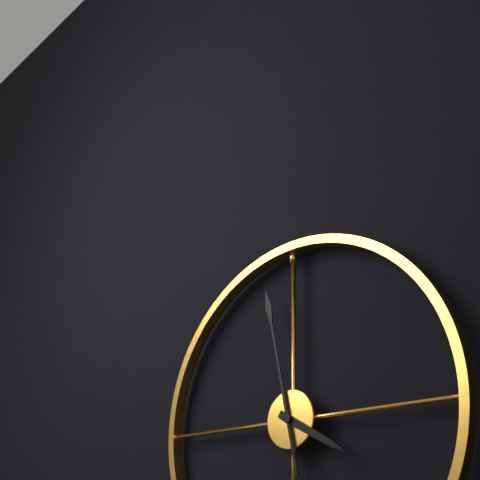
3:58
